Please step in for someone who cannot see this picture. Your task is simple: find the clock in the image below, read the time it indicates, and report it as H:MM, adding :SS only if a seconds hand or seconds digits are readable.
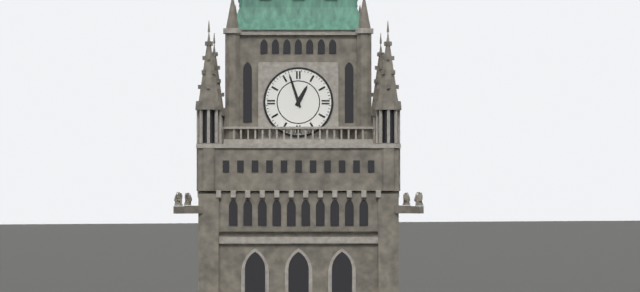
12:57
